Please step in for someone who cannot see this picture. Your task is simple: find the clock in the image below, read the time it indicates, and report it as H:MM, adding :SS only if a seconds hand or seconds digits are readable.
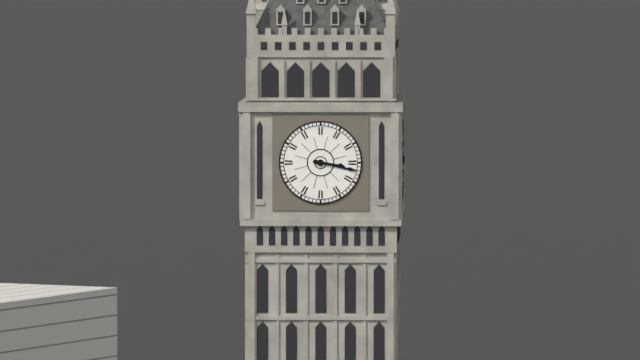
3:17
